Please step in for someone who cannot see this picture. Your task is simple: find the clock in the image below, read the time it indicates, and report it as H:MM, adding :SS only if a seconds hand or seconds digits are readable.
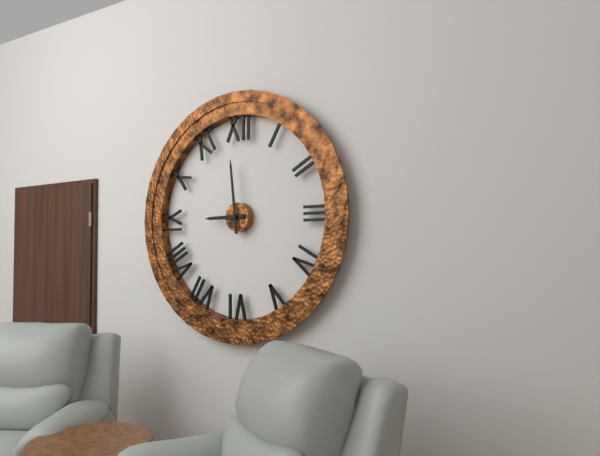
8:59
